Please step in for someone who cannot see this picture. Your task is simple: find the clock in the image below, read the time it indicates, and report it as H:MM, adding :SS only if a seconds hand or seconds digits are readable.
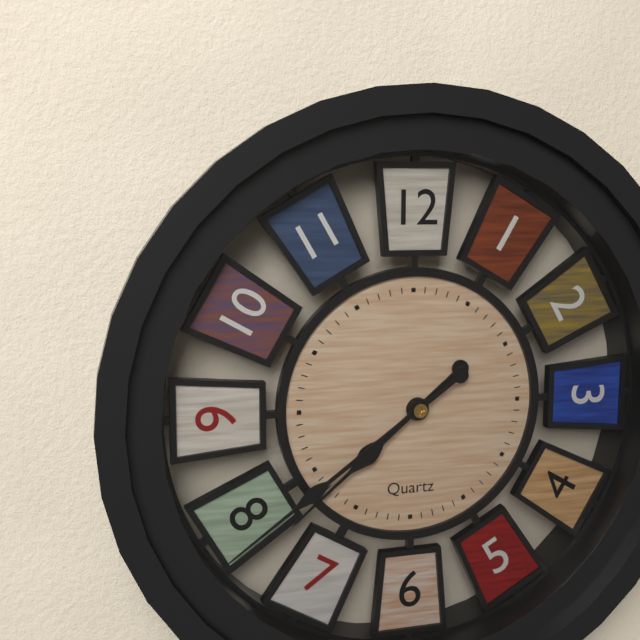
7:39
